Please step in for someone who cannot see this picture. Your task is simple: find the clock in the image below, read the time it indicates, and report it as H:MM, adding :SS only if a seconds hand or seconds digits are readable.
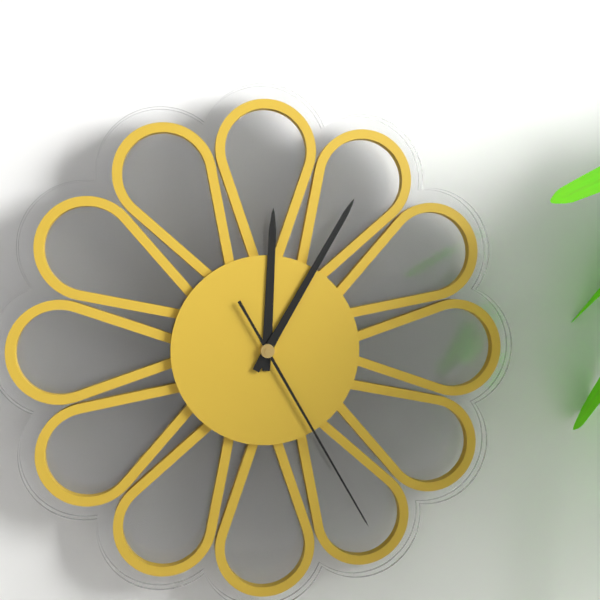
12:05:25
